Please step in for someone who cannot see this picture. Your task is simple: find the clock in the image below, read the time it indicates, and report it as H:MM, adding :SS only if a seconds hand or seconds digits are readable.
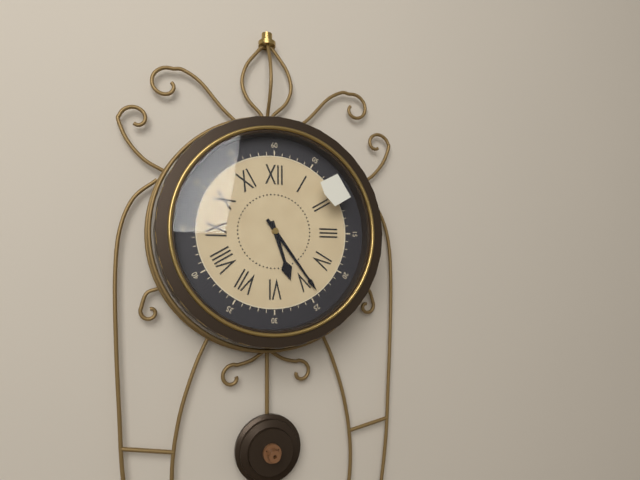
5:24
